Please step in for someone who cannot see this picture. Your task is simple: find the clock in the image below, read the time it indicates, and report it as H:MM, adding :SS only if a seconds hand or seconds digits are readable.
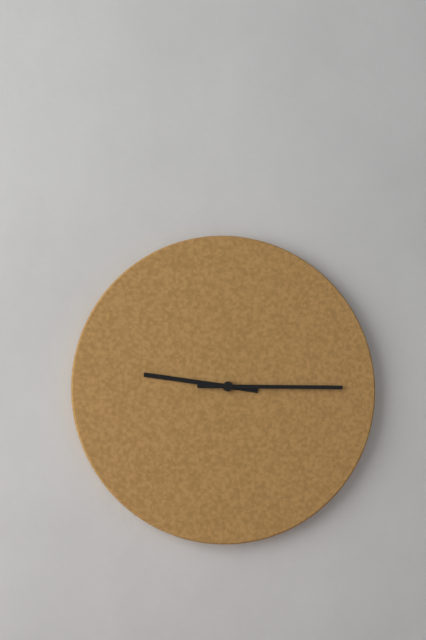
9:15
